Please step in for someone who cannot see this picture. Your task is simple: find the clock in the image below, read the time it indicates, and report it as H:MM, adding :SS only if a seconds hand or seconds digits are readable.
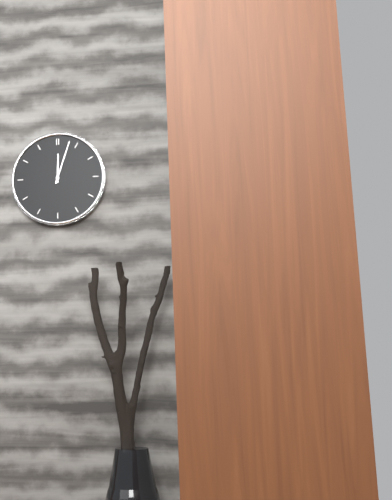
12:03
